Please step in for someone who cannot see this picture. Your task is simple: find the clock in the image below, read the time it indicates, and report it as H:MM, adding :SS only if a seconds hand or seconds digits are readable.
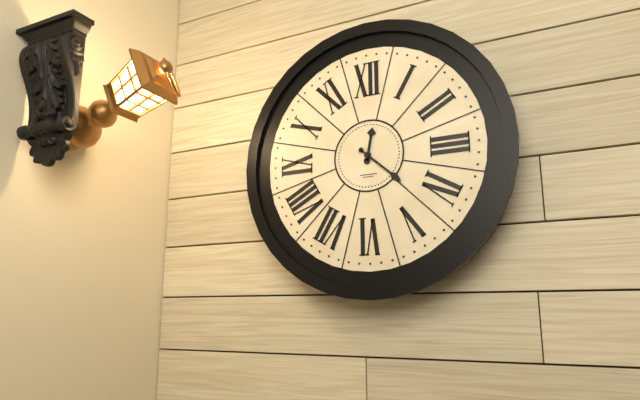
12:22
